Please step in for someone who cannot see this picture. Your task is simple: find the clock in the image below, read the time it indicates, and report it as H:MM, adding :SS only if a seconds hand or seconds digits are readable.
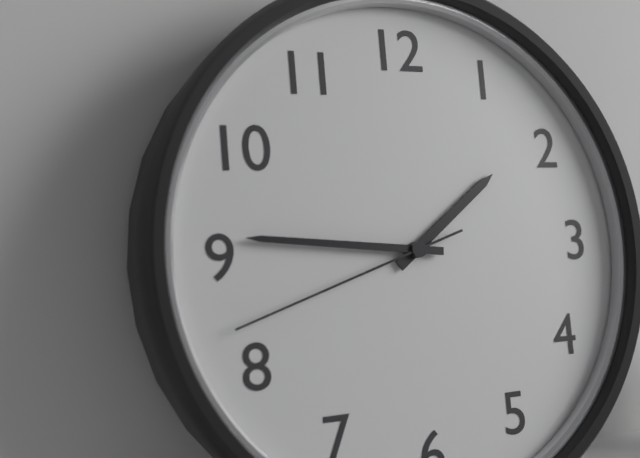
1:46:42
